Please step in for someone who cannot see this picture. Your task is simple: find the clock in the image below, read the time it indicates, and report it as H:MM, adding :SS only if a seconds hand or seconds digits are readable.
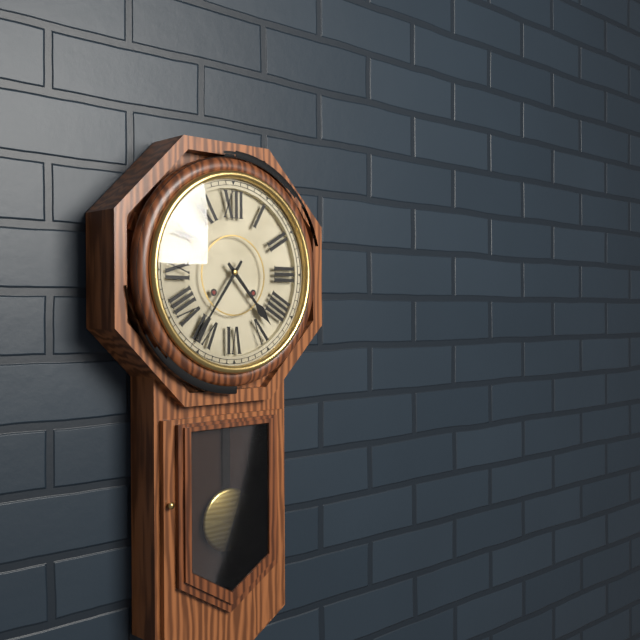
4:36
